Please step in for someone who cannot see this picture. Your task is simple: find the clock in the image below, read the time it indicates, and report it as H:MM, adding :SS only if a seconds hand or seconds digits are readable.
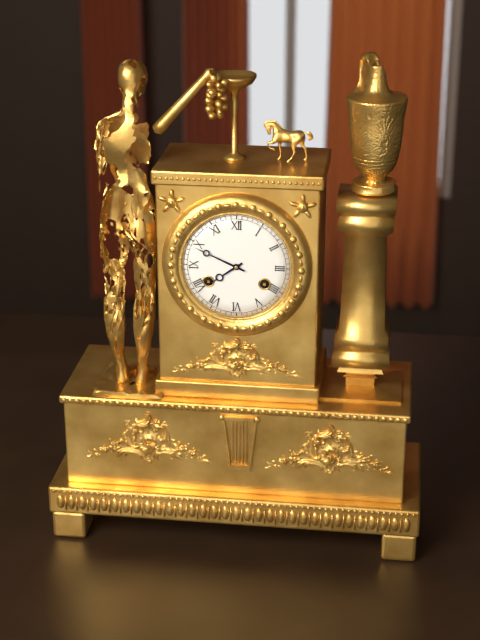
7:49
